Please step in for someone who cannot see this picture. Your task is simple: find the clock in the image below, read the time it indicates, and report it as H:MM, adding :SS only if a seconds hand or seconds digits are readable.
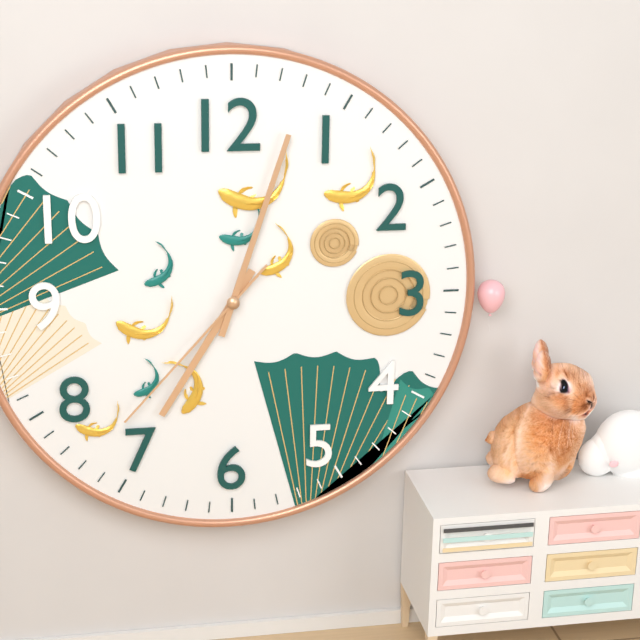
7:03:37
